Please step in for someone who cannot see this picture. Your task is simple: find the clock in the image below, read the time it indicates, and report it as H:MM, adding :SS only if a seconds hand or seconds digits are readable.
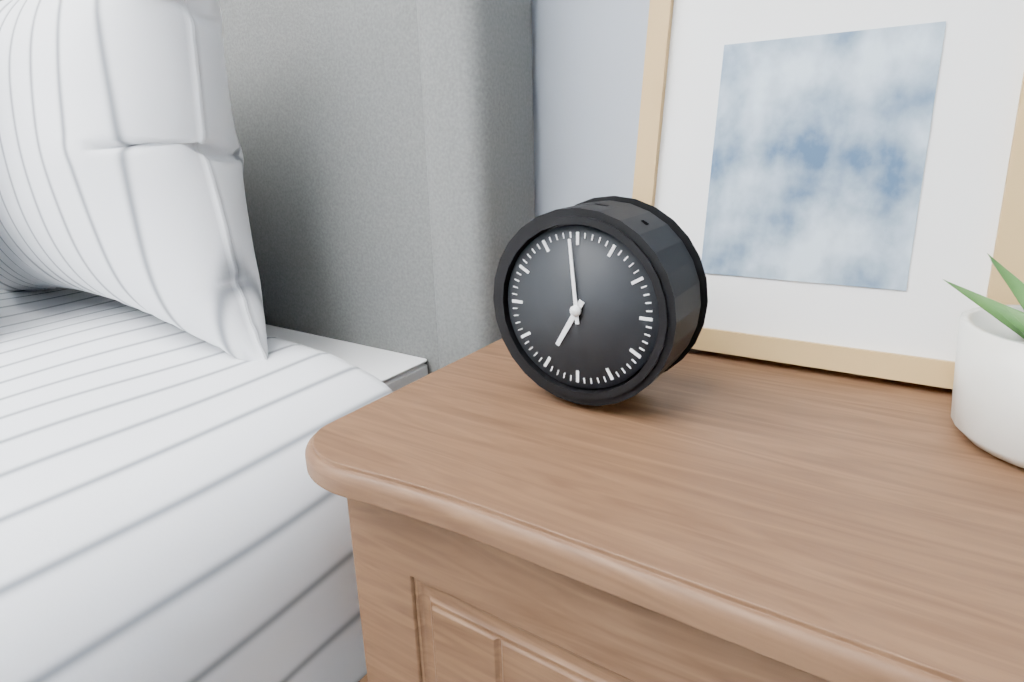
6:59
